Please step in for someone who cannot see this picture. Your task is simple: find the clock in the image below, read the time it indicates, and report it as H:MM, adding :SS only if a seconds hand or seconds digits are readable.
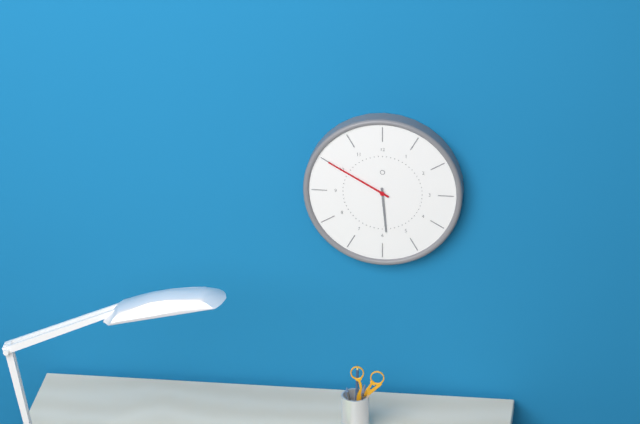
5:50
